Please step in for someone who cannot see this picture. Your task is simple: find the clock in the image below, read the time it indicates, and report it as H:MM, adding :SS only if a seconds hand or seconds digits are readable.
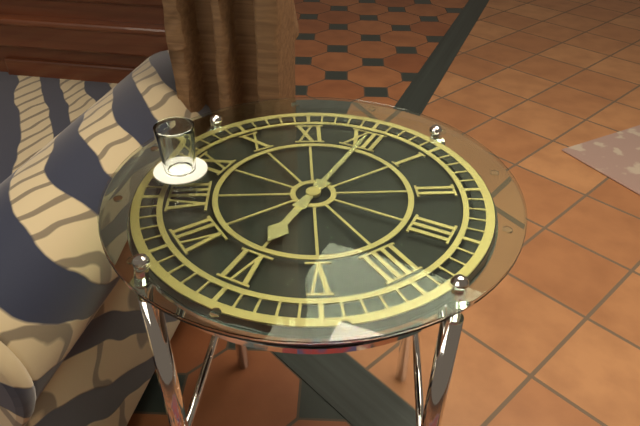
6:00
